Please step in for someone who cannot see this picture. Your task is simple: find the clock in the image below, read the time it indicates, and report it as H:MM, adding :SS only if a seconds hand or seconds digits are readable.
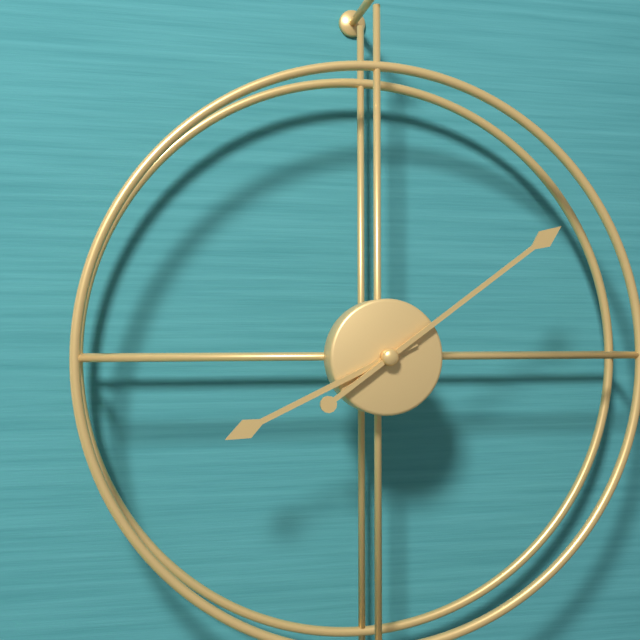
8:09
